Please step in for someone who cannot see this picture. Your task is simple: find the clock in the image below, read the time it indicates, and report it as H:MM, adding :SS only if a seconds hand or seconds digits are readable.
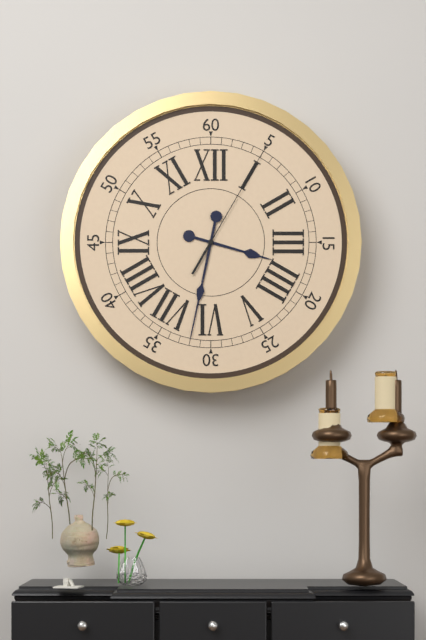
3:32:05
